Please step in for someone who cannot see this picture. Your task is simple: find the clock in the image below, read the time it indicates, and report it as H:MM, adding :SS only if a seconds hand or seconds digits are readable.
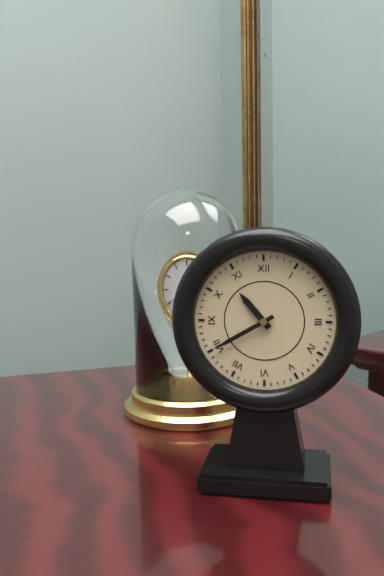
10:40
